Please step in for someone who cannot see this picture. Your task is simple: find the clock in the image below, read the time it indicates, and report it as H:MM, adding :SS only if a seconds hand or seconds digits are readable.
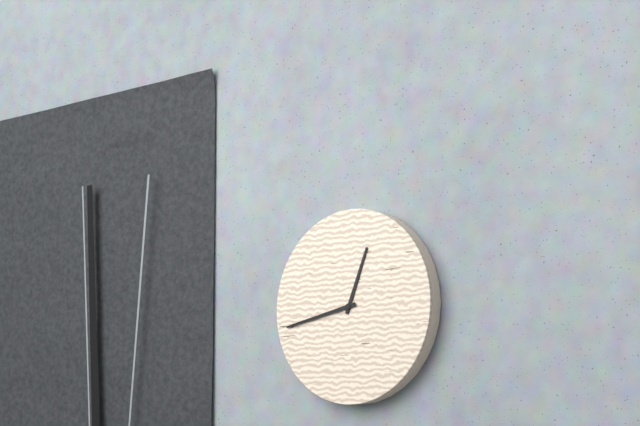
12:43
